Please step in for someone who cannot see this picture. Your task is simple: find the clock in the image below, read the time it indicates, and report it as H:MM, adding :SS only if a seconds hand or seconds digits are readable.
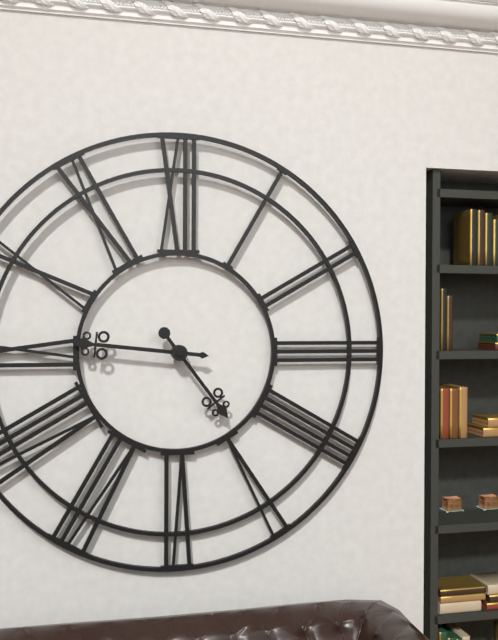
4:46
